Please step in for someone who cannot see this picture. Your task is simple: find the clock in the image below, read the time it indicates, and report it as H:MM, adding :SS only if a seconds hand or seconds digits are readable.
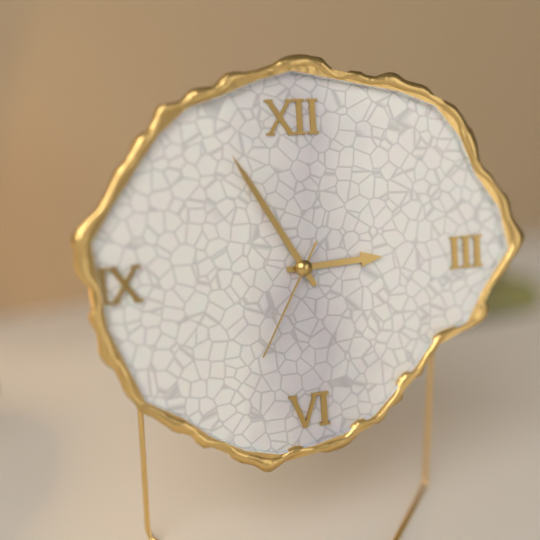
2:55:35
